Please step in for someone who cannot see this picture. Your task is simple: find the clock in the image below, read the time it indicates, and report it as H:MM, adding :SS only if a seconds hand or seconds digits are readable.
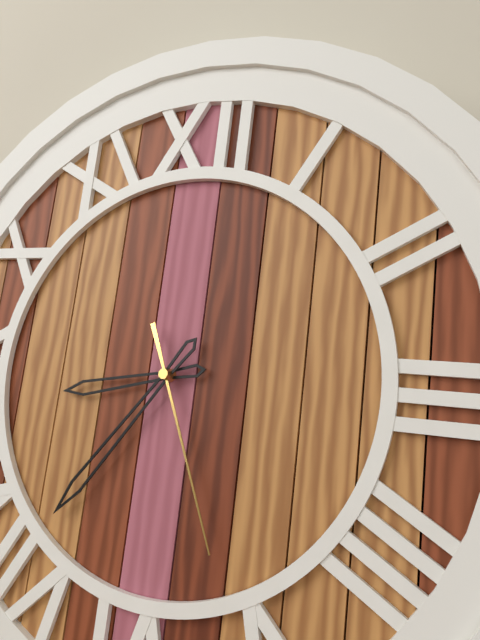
8:36:26
